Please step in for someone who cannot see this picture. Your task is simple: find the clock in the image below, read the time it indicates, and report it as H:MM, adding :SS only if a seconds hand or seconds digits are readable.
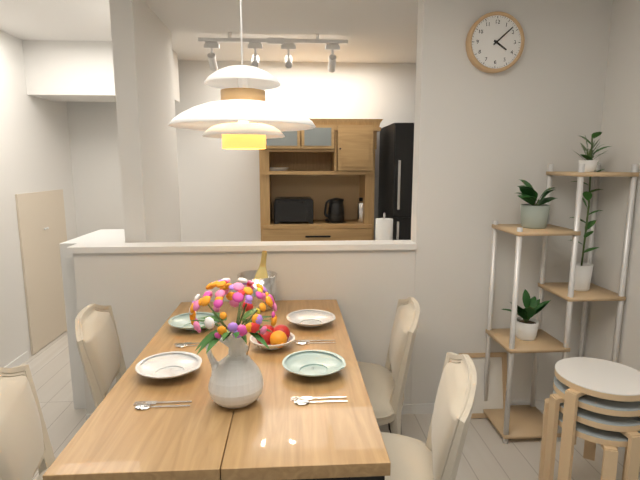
4:08
